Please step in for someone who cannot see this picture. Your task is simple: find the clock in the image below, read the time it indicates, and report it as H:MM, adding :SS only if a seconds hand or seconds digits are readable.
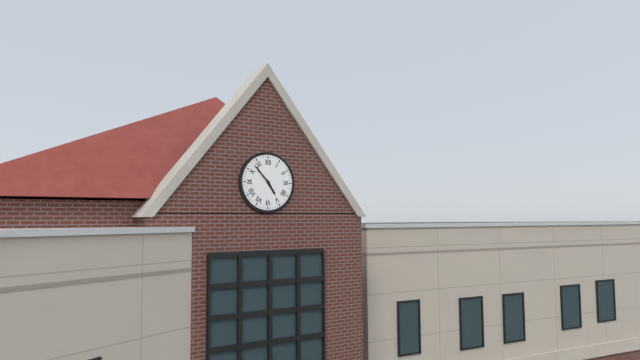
4:53
